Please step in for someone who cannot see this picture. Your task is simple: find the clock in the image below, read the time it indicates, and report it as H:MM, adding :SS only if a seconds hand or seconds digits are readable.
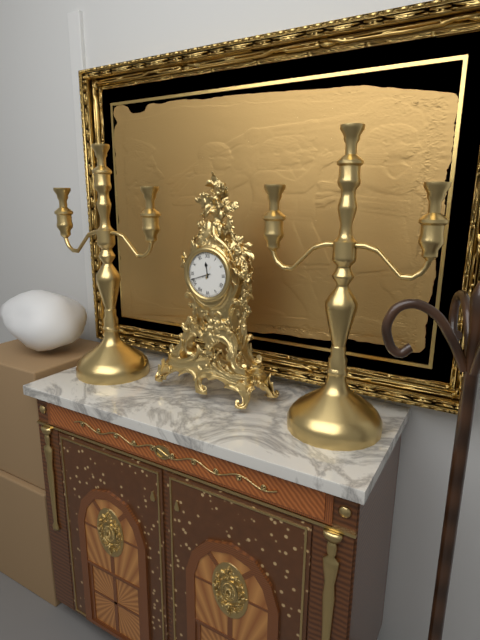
11:42
